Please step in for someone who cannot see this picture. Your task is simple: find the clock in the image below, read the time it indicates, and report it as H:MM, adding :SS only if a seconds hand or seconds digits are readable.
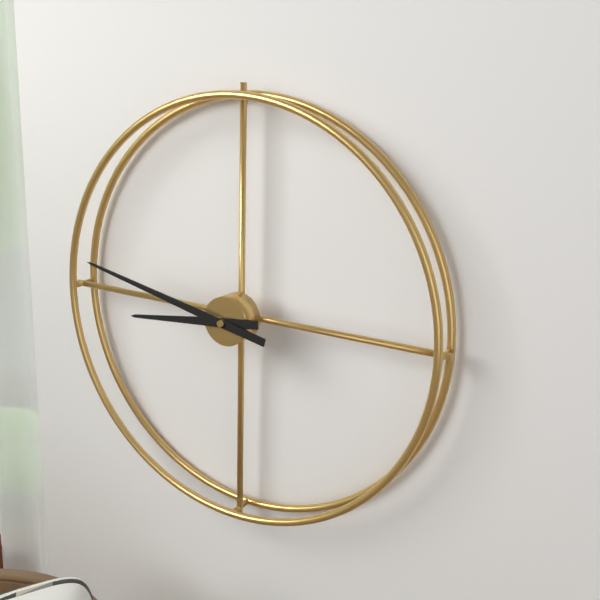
8:47
